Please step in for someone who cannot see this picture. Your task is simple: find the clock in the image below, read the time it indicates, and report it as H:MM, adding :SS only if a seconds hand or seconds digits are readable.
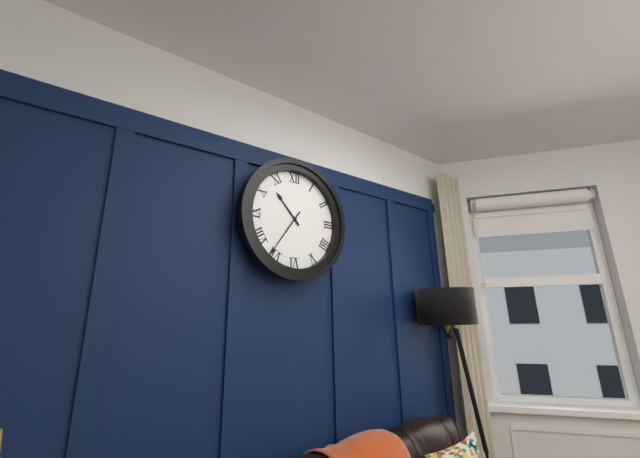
10:36
